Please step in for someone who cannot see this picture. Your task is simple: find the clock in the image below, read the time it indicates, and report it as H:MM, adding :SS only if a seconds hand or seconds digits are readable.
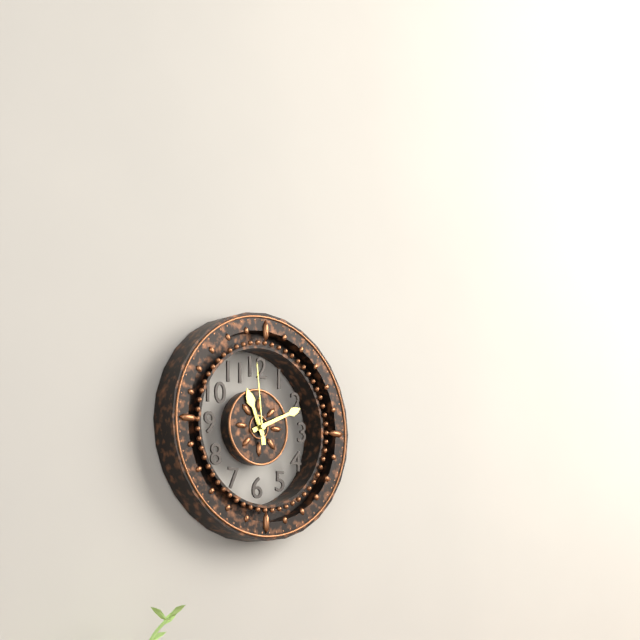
11:11:59
